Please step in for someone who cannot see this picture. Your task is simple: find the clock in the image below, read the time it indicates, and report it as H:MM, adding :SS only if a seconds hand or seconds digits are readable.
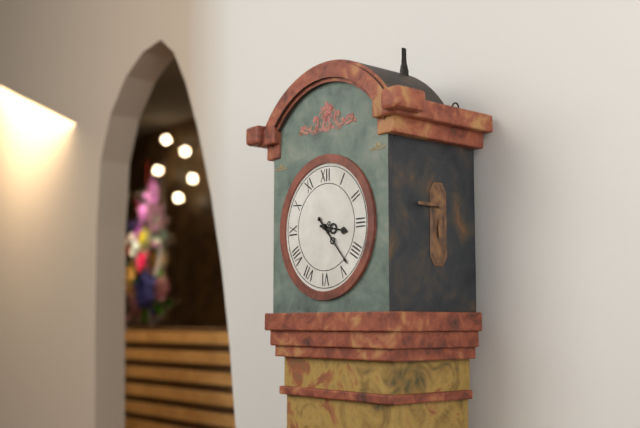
3:23
